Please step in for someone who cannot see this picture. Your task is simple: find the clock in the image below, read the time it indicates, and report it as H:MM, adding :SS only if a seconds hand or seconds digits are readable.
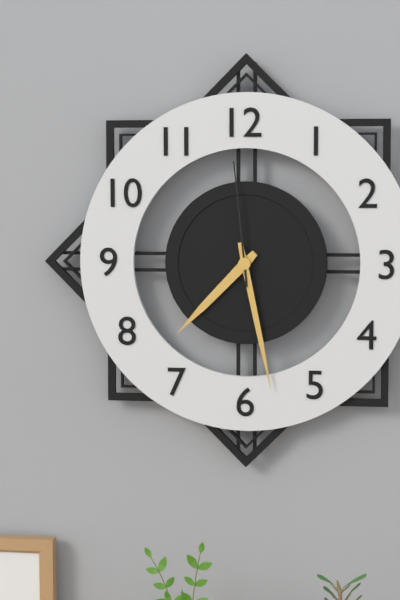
7:28:59
